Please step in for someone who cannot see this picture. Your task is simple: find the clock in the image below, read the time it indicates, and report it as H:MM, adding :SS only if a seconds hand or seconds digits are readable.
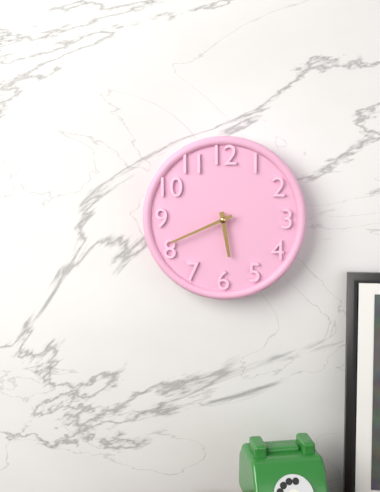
5:41
